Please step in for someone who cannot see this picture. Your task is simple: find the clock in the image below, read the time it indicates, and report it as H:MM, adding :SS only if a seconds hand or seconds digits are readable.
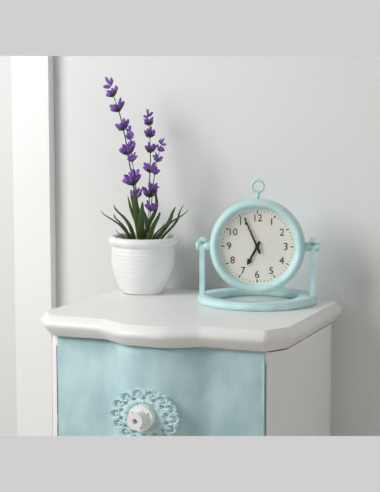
6:56
